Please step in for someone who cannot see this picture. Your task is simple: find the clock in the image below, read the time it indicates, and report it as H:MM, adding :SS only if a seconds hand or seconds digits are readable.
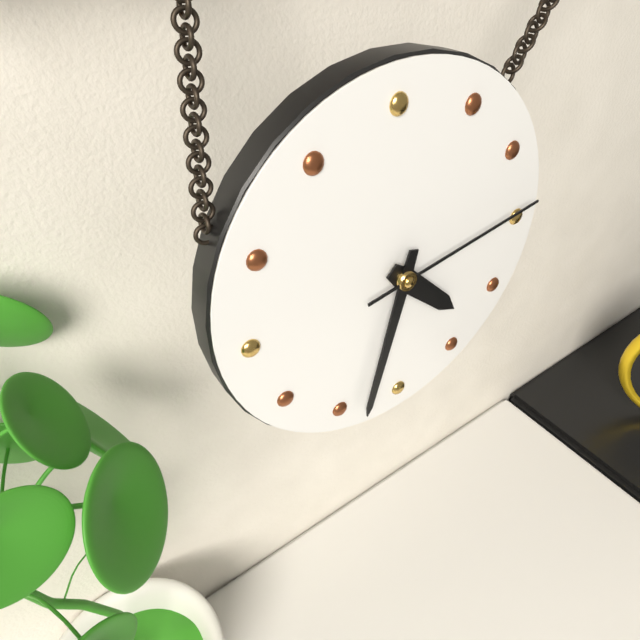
4:33:14
